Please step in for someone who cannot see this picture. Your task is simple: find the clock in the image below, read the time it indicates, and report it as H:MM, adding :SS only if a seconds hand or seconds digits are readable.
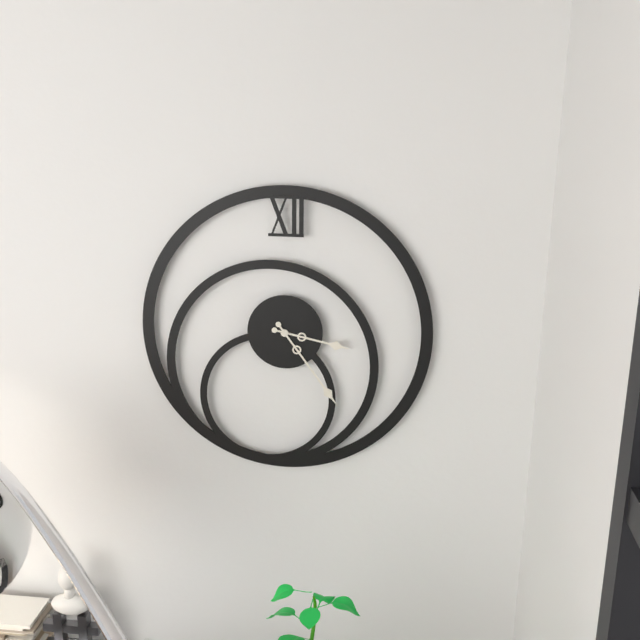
3:24
